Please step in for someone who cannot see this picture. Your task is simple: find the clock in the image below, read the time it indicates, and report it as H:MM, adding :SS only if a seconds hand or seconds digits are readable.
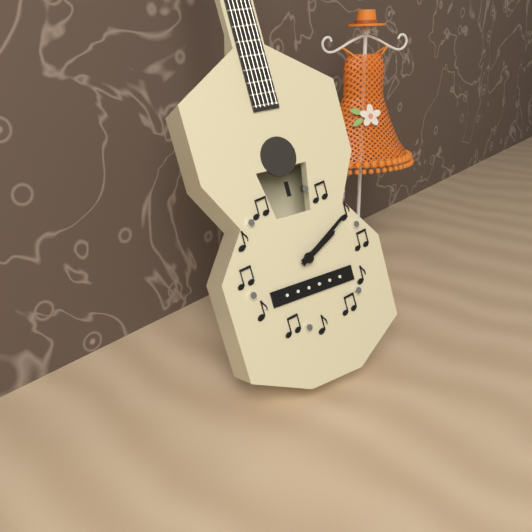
2:10
